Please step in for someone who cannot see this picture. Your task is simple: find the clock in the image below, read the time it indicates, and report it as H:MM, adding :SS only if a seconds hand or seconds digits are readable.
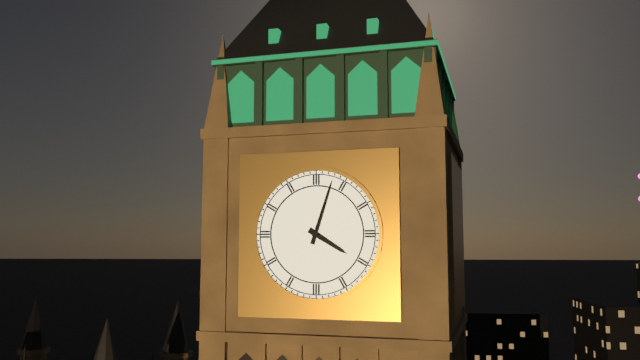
4:03
